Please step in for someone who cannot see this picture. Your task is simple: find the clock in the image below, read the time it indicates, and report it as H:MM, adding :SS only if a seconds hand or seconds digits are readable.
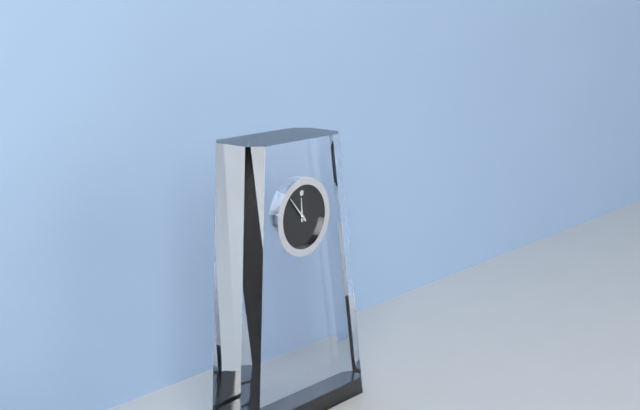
11:53
